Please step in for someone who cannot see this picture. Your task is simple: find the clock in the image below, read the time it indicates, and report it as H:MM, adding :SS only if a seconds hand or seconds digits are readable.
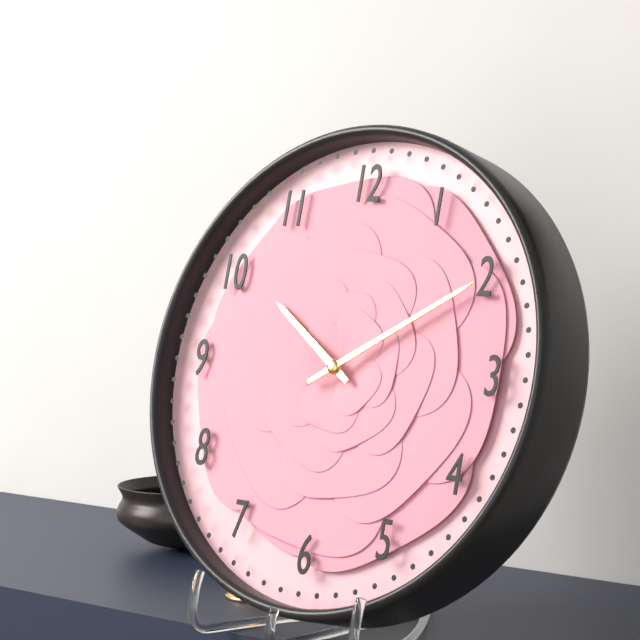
10:10
